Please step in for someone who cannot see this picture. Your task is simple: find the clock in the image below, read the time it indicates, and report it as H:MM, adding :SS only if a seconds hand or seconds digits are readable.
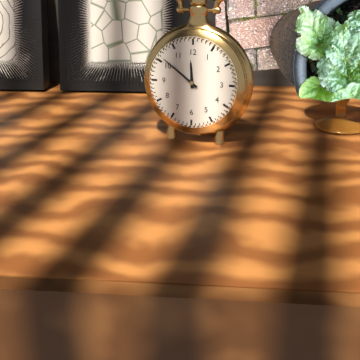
11:51
